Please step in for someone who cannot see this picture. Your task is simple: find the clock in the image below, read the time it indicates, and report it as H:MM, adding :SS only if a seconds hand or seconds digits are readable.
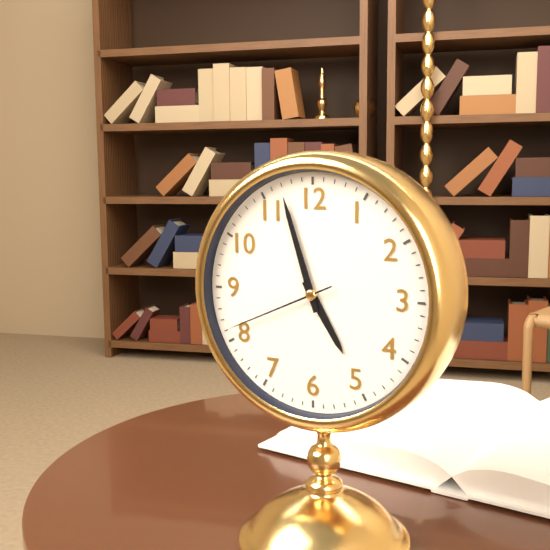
4:57:41
